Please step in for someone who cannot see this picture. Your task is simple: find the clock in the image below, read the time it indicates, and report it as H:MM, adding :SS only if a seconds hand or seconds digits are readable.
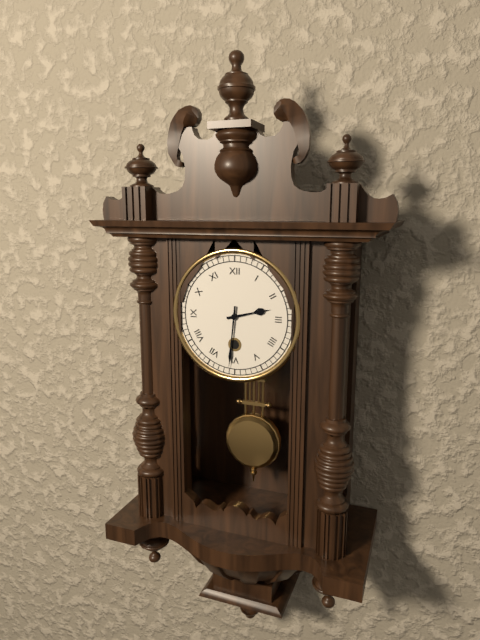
2:31
